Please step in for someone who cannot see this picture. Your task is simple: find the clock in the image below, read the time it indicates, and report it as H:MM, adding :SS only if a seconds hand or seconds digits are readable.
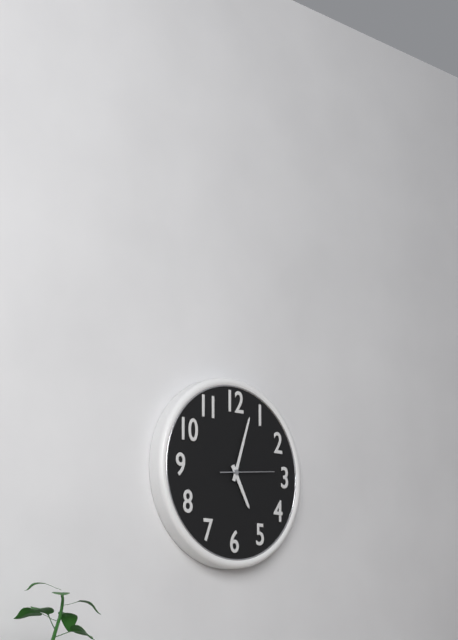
5:03
